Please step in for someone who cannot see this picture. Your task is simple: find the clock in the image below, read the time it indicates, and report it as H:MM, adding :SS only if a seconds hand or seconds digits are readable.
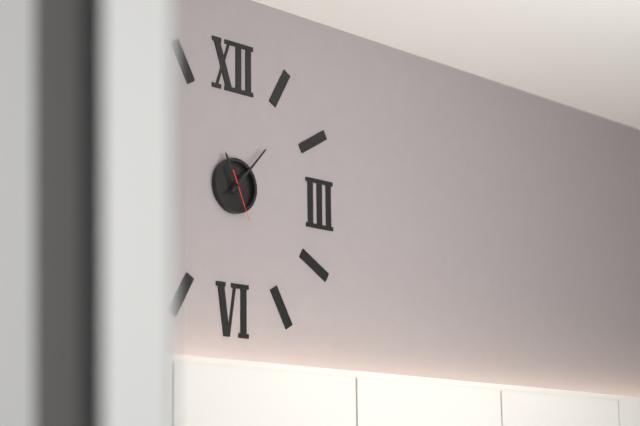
11:07
